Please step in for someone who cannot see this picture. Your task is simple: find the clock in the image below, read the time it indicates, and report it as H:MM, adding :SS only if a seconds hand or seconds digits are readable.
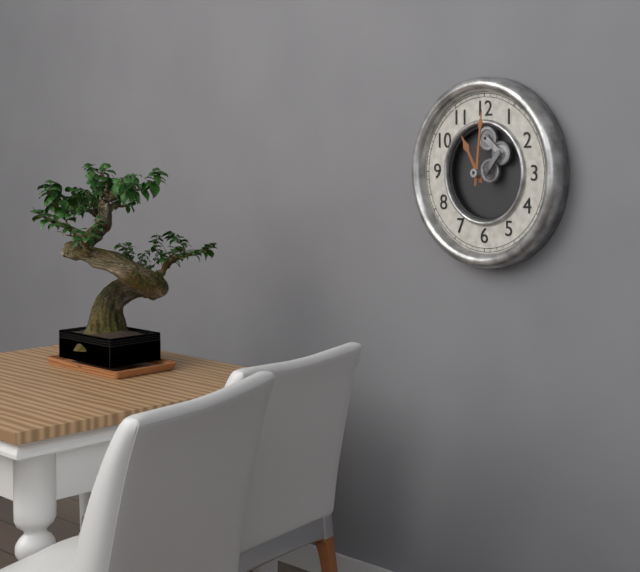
11:01
